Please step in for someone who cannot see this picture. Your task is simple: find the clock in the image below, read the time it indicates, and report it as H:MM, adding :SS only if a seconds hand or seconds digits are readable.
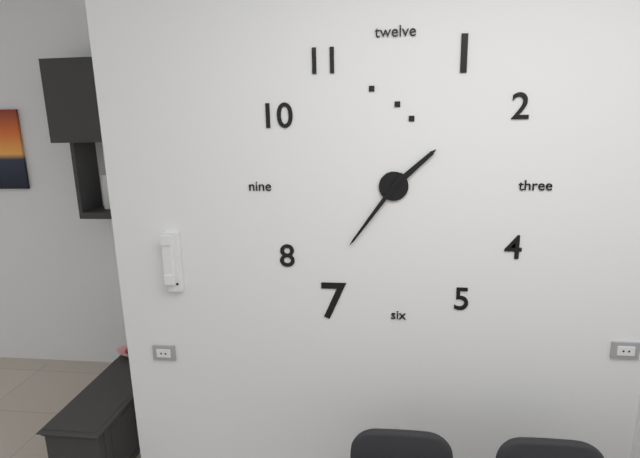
1:36
